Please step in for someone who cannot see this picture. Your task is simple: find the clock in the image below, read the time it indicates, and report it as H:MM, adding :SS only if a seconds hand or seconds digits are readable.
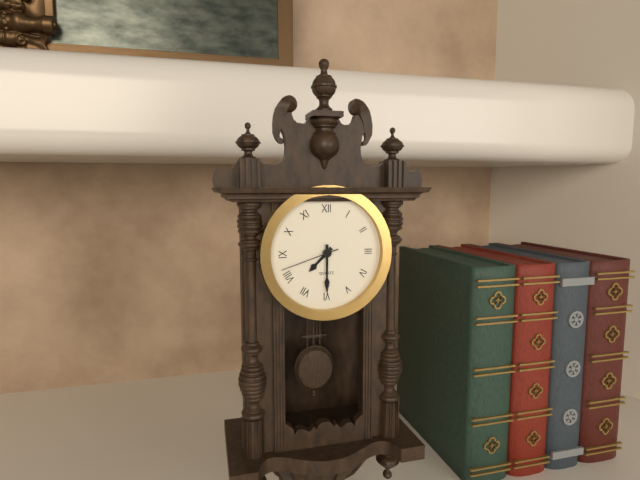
7:30:42
